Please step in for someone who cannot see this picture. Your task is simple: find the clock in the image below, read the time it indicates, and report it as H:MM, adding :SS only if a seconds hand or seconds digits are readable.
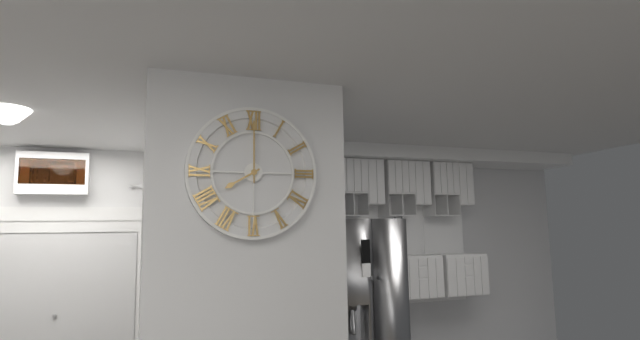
8:00
